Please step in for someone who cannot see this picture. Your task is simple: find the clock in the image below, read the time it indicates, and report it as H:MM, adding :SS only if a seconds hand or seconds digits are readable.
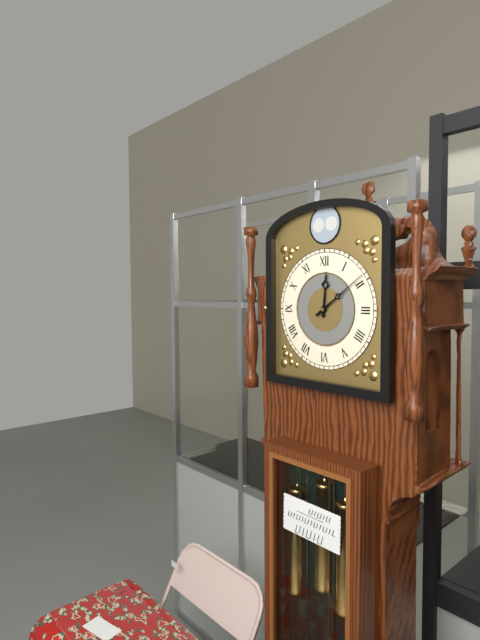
12:09
